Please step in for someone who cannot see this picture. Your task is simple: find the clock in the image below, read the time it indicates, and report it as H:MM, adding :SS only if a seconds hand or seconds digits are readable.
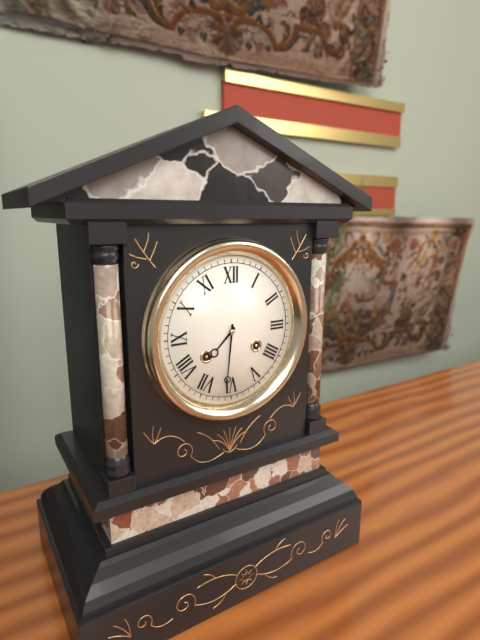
7:31
